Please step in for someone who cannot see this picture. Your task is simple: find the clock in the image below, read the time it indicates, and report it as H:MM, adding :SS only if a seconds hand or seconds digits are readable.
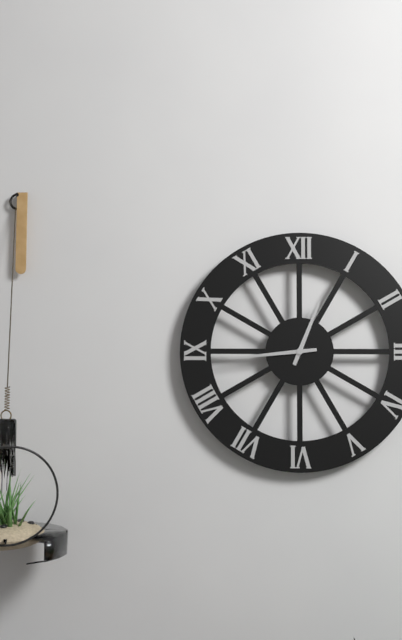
12:44
